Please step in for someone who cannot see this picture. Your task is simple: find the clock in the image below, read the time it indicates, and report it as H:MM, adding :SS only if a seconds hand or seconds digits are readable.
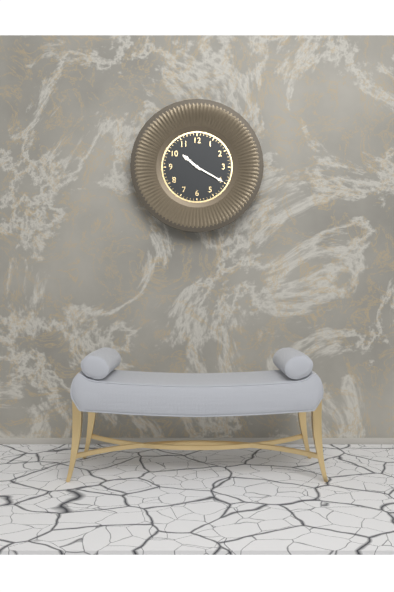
10:20
